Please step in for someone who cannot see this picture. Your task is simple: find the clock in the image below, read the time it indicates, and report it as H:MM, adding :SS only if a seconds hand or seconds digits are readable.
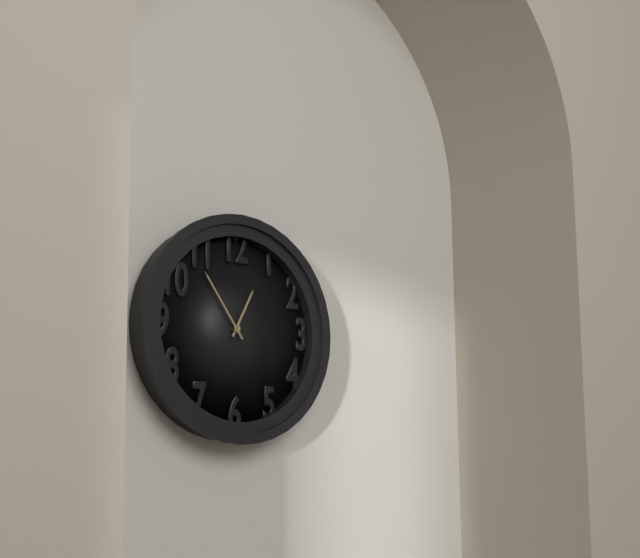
12:54
